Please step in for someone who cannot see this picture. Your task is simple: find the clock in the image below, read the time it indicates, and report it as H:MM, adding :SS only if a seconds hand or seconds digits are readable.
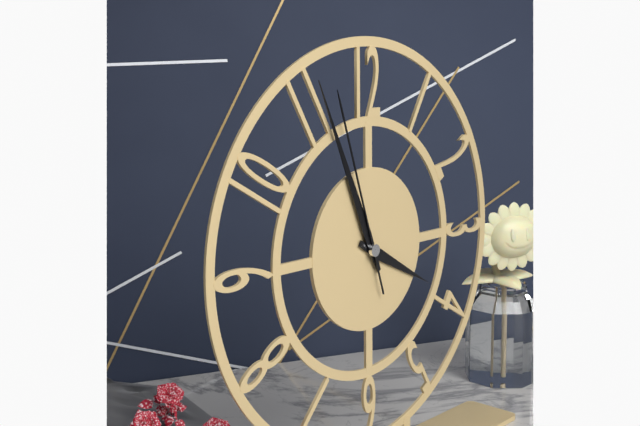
3:56:57
